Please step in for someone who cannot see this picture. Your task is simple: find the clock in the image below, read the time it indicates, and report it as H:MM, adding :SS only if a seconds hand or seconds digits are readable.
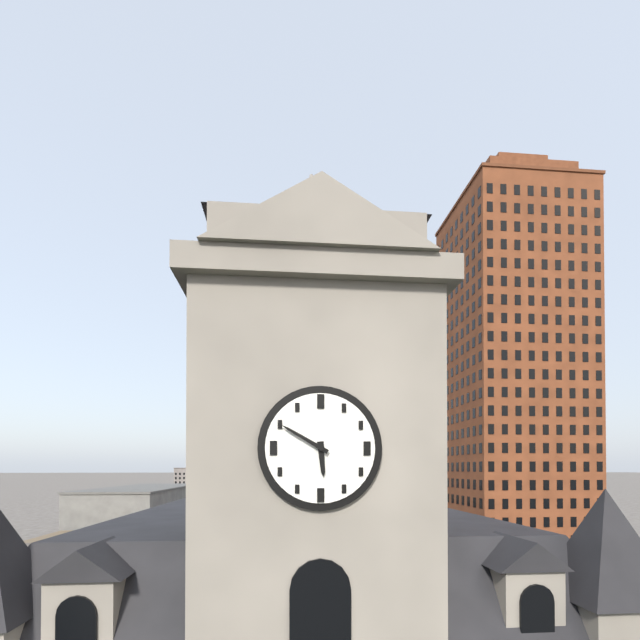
5:50
